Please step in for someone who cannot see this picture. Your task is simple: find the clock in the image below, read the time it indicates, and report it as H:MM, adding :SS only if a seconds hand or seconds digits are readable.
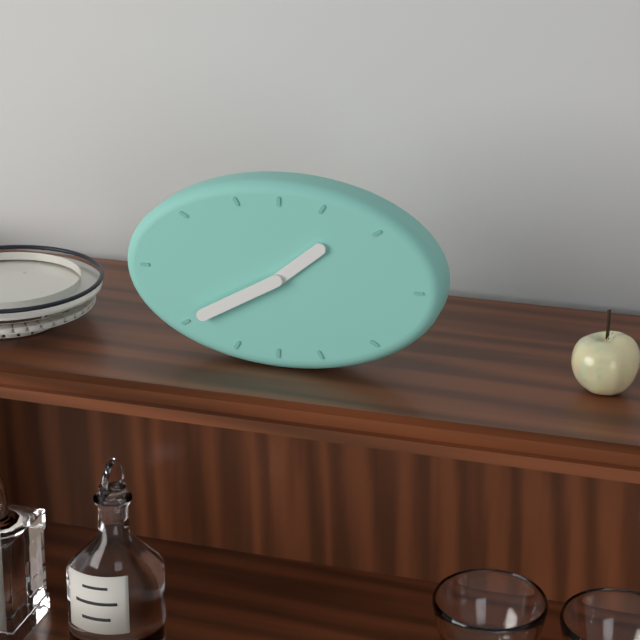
1:40
